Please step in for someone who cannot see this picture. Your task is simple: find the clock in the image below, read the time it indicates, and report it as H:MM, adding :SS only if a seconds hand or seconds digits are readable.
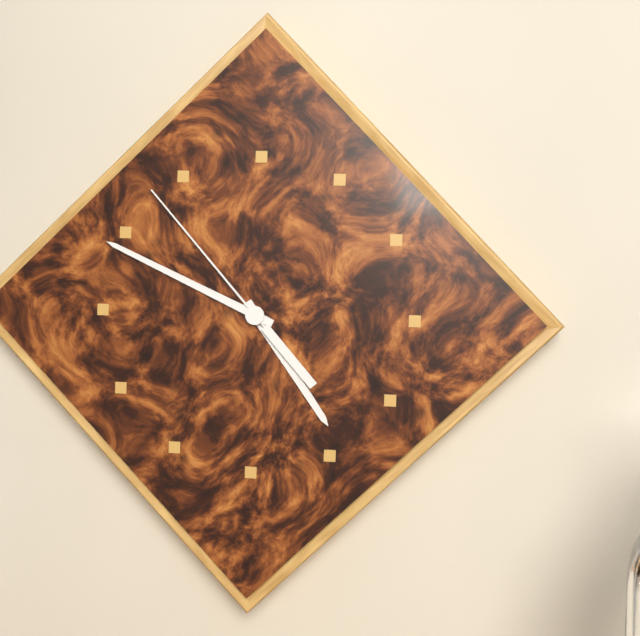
4:49:53
